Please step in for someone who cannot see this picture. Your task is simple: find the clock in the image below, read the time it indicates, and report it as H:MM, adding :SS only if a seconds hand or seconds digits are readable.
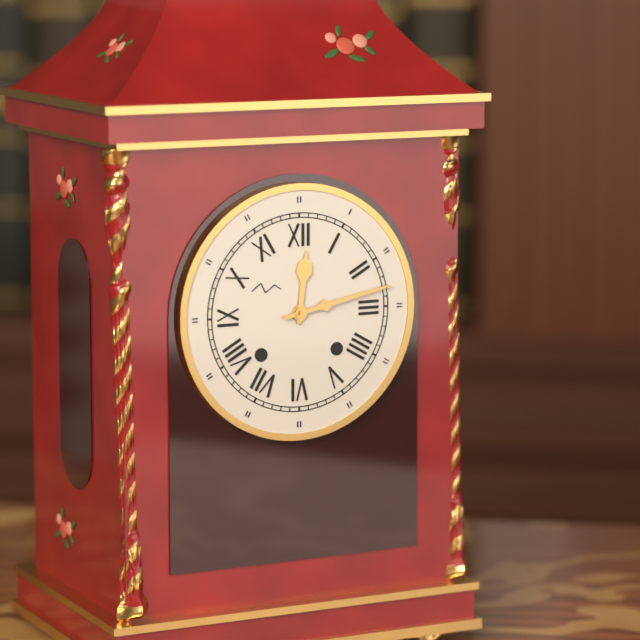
12:13
